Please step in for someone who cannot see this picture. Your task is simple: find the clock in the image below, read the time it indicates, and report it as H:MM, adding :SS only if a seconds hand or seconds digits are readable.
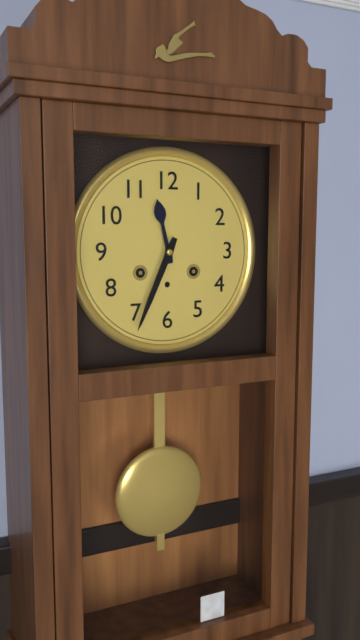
11:34
